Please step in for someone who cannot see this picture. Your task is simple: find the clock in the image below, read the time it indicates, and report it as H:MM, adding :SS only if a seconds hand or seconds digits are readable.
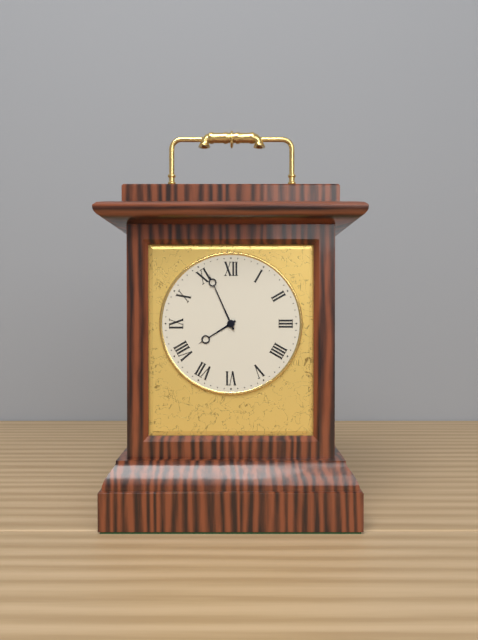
7:56
